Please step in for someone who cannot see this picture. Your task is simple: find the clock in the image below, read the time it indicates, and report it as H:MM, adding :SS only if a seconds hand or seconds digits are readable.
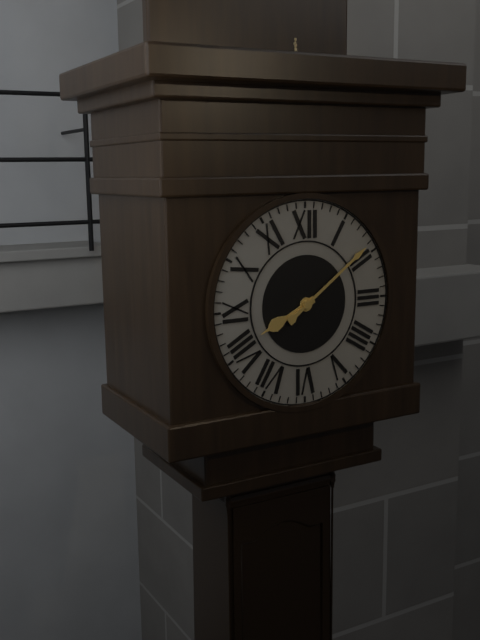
8:09
